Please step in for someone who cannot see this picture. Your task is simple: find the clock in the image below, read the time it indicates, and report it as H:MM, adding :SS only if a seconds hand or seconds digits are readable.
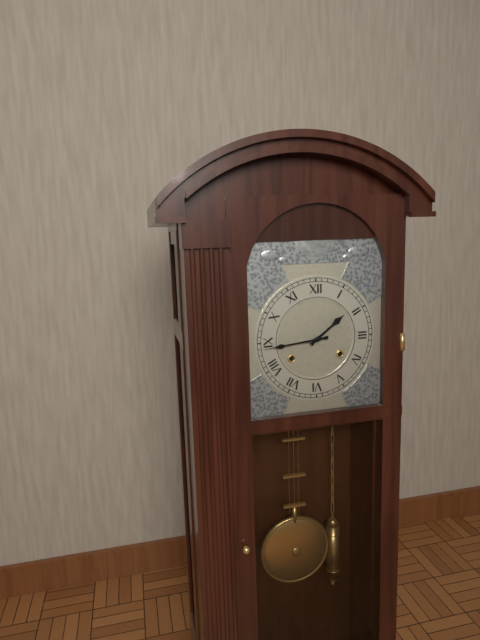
1:44
